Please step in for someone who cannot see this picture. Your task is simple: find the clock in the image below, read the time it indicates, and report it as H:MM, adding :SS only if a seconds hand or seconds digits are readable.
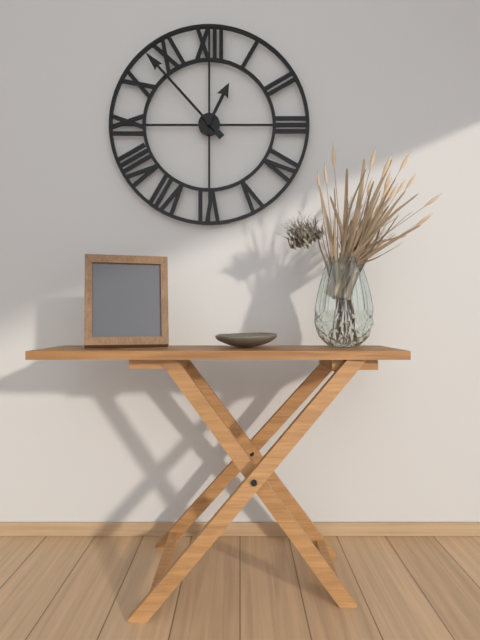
12:53
